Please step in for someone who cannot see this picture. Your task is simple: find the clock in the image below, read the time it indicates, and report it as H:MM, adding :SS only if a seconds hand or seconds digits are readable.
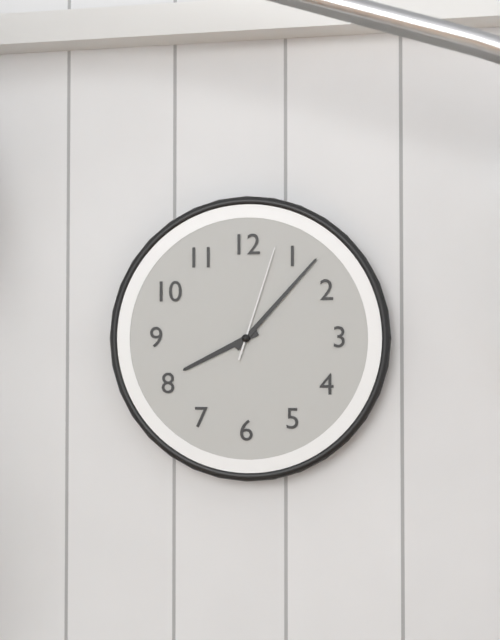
8:07:03
